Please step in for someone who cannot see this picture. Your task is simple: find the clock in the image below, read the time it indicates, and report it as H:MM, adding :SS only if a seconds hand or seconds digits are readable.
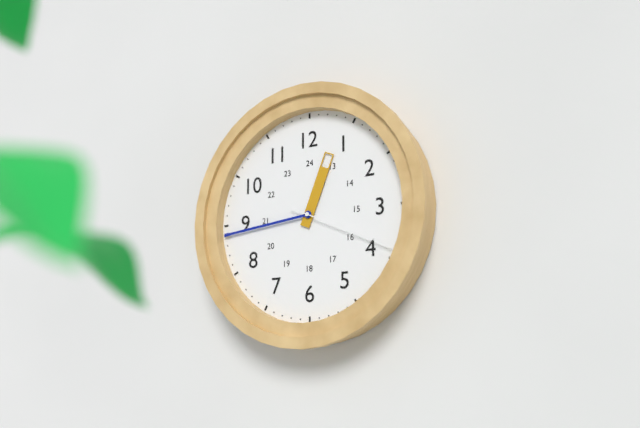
12:44:19
